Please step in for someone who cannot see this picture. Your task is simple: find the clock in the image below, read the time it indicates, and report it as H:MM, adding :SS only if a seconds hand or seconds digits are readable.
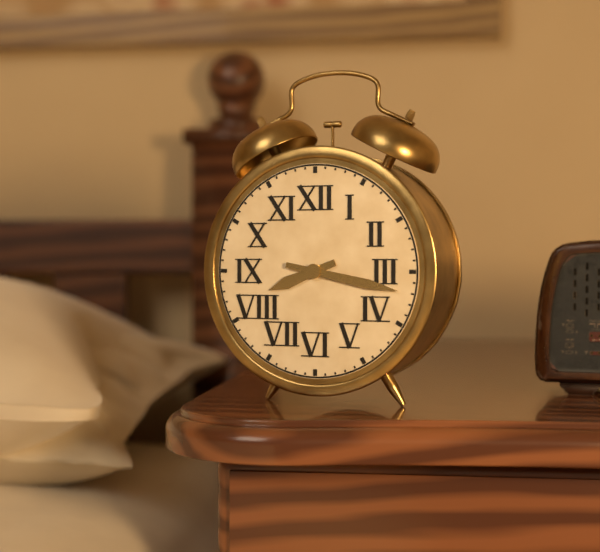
8:17
